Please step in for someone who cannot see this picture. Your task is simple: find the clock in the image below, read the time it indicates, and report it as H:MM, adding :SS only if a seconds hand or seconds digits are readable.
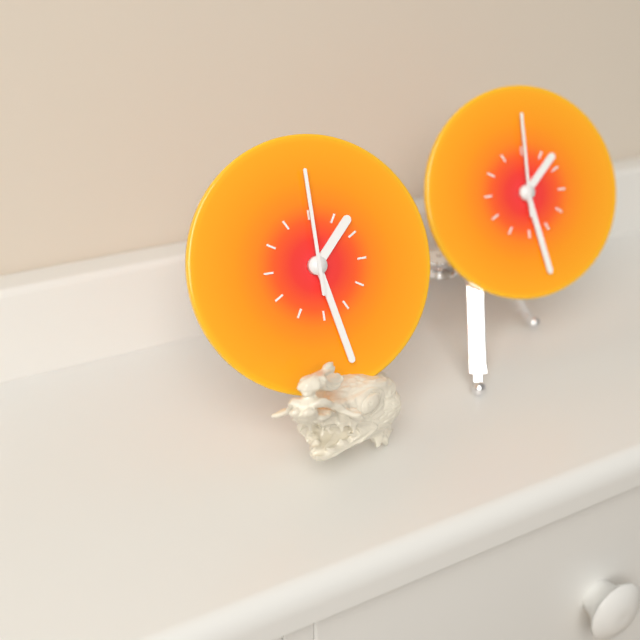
1:28:00
